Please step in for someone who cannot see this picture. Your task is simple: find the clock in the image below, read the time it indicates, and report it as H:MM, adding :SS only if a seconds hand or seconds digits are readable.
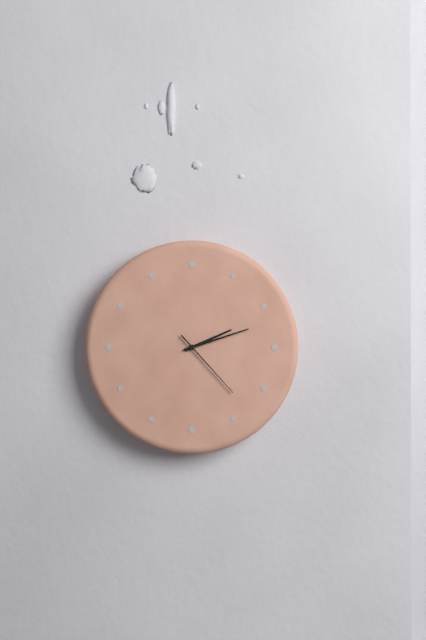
2:12:23
